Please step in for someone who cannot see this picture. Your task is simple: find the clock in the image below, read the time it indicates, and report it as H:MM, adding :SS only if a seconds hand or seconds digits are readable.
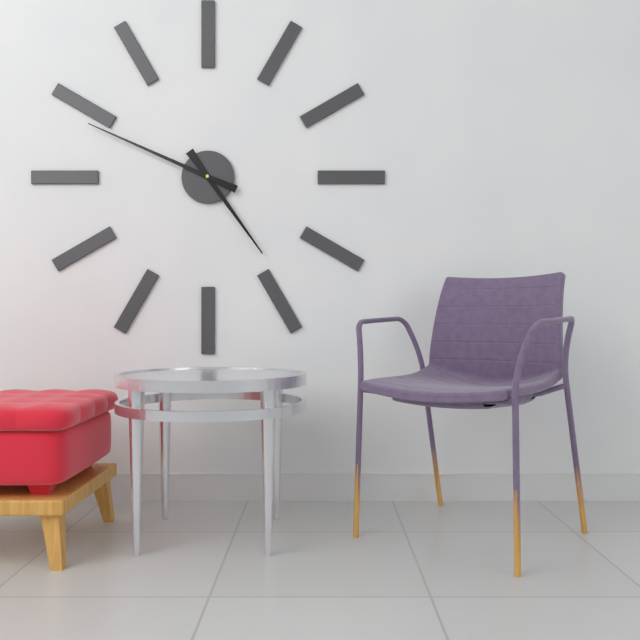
4:49
